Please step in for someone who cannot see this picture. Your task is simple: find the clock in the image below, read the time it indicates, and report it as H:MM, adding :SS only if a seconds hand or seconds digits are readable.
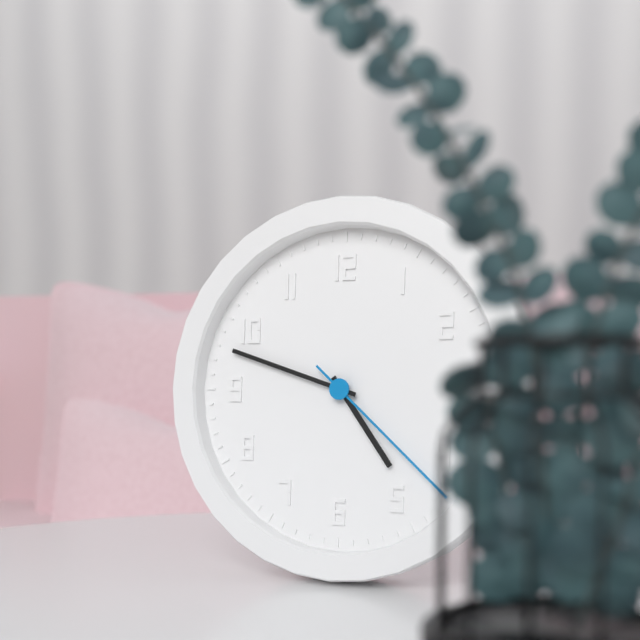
4:48:22
